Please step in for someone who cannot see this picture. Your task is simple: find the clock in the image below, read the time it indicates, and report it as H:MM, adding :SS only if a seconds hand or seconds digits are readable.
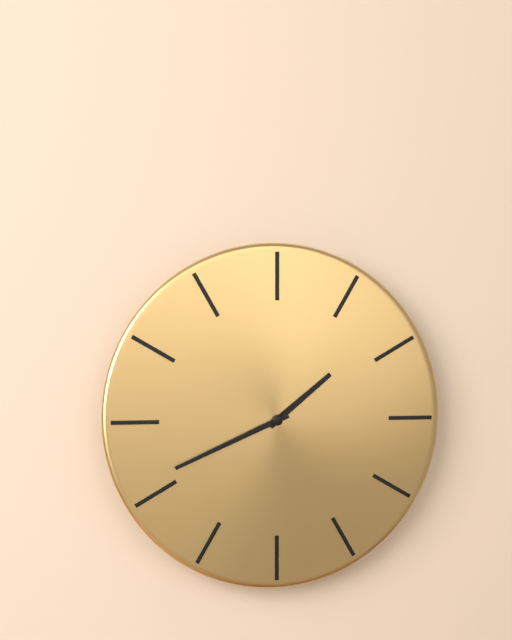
1:41
